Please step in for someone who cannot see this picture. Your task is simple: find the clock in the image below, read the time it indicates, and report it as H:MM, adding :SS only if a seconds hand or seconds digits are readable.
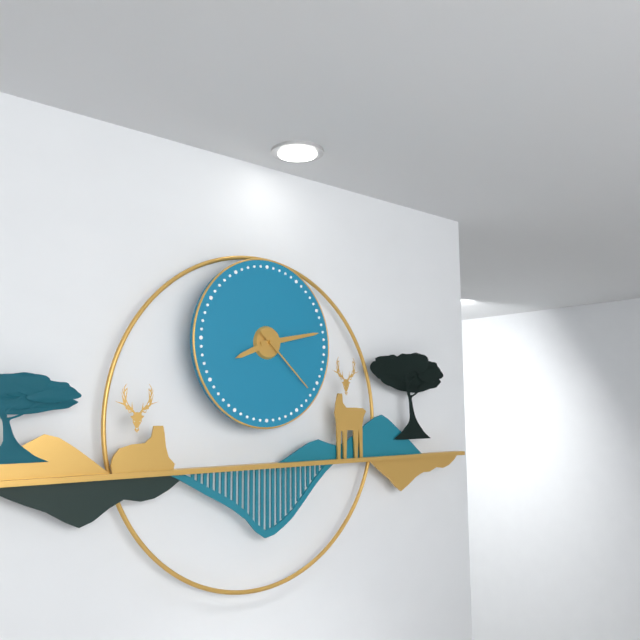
8:13:22
